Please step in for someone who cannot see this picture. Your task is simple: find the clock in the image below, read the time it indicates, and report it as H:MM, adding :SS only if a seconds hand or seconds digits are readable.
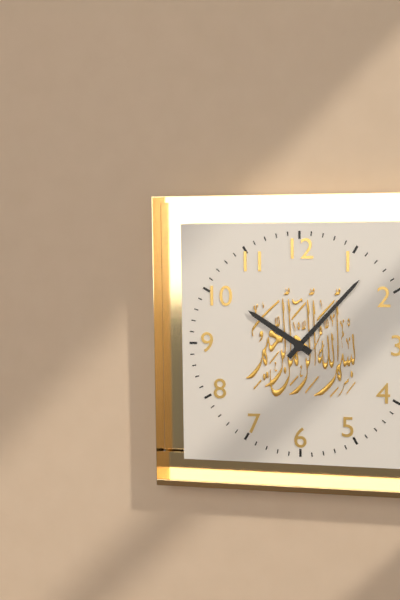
10:07
